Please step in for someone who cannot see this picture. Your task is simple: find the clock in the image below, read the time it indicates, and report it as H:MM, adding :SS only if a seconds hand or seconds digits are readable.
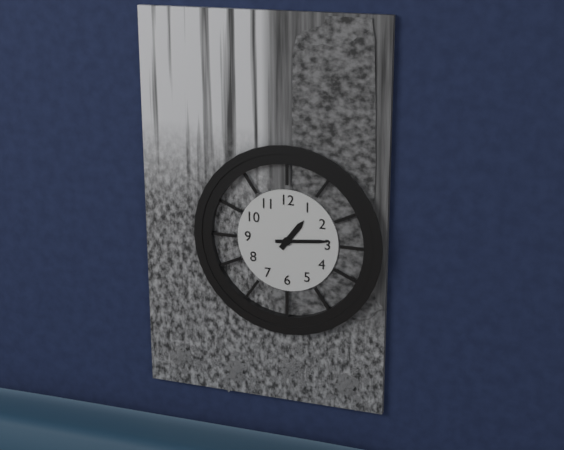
1:14
